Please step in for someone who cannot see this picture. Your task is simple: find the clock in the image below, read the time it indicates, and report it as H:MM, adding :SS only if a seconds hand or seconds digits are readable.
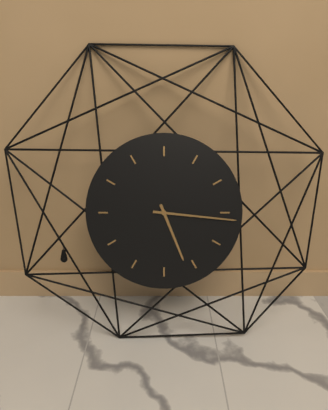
5:16
